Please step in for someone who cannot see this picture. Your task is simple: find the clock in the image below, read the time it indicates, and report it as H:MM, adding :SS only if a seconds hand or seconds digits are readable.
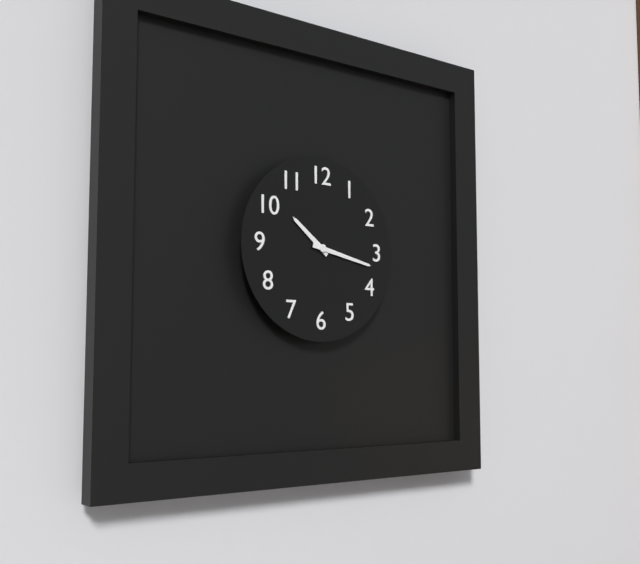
10:17
